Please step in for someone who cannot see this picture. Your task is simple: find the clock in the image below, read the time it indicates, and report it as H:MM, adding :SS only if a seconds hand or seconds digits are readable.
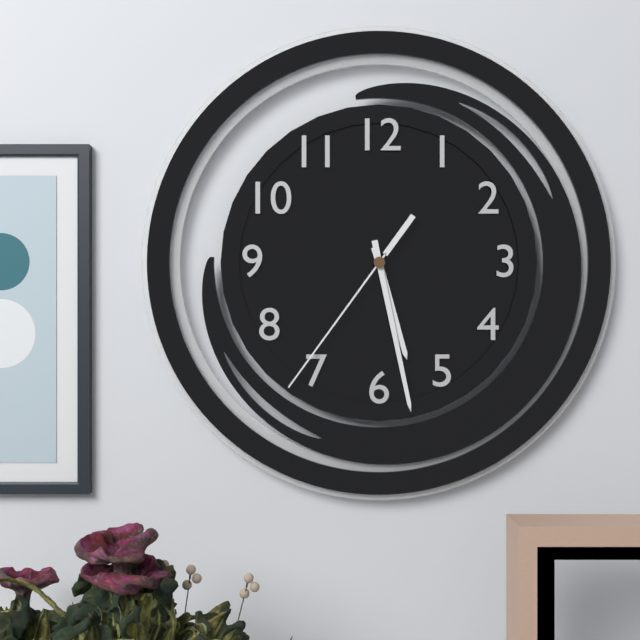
5:28:36
